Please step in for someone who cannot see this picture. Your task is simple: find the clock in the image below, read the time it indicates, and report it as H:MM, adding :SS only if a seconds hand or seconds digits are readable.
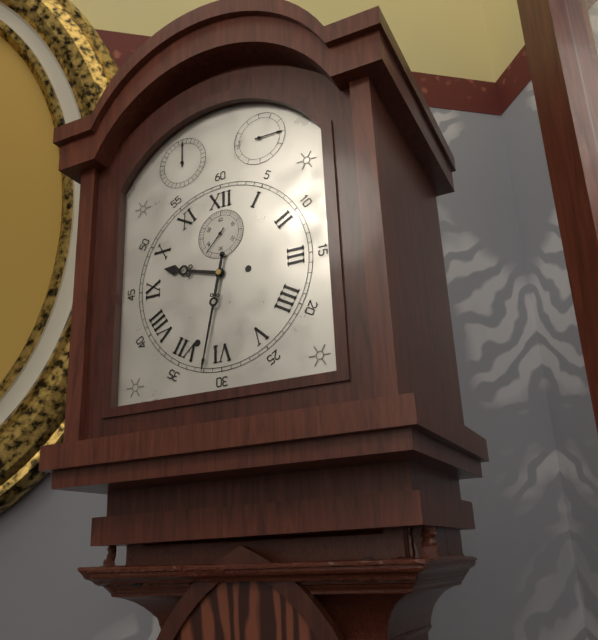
9:32
